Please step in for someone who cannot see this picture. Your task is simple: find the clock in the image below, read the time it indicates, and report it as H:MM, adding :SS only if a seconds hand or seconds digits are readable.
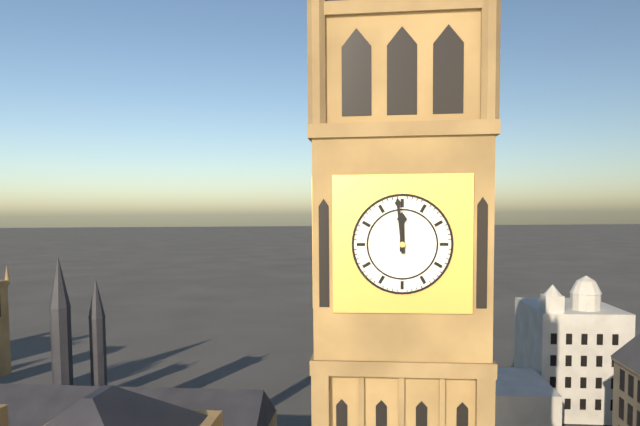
11:59
